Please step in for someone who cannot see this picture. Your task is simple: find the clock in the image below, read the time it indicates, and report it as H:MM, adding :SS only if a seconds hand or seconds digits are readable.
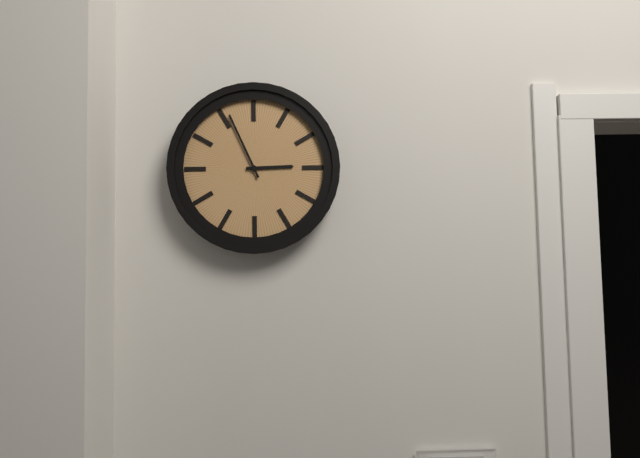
2:56
